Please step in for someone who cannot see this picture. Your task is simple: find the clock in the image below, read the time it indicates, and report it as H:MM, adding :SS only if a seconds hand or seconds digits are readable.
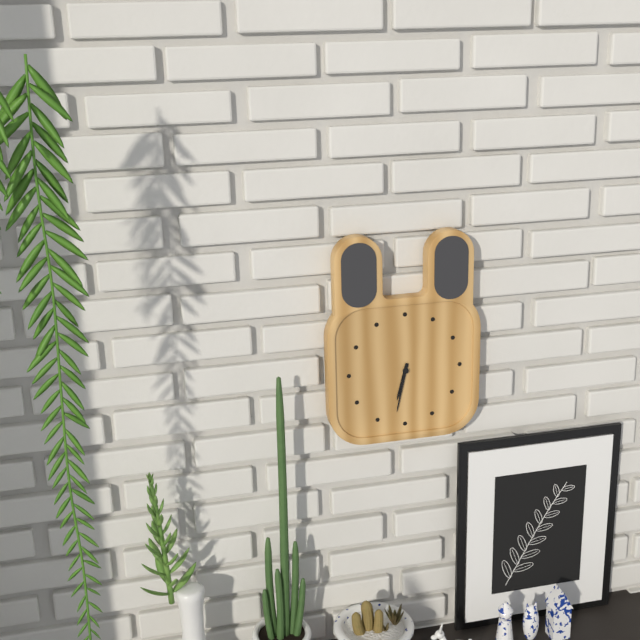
6:32
